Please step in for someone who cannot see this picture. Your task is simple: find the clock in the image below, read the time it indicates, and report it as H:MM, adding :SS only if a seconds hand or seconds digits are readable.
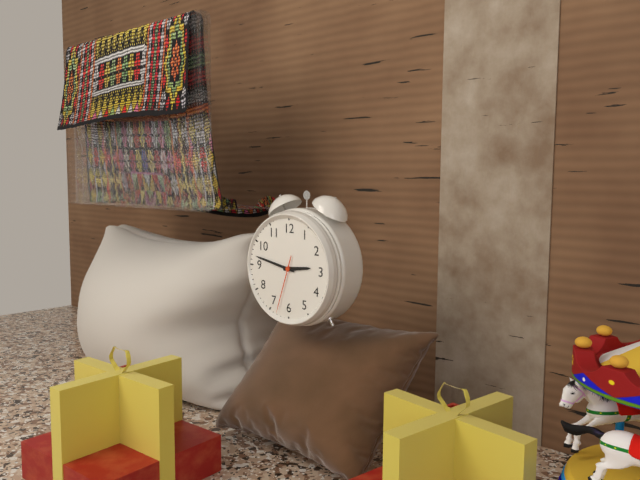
2:47:33
